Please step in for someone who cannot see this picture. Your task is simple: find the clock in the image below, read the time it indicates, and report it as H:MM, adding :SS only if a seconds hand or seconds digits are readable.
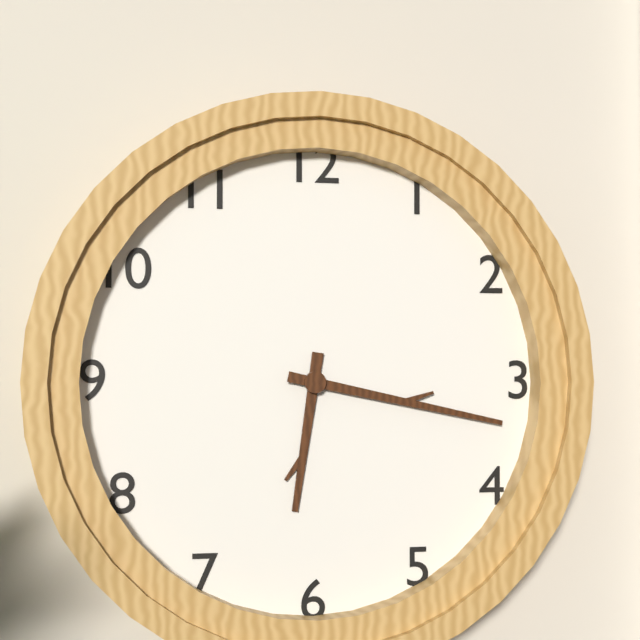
6:17
